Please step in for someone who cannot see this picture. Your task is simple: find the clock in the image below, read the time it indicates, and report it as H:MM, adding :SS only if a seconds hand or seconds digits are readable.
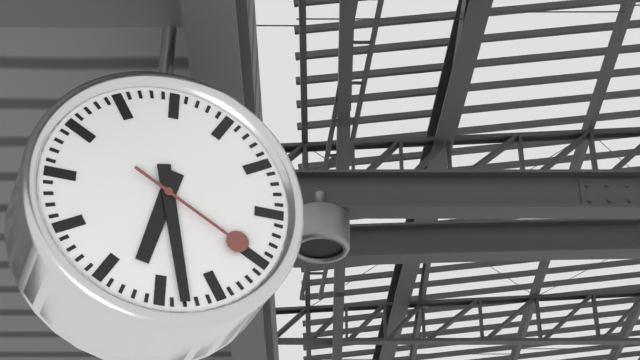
6:28:20
